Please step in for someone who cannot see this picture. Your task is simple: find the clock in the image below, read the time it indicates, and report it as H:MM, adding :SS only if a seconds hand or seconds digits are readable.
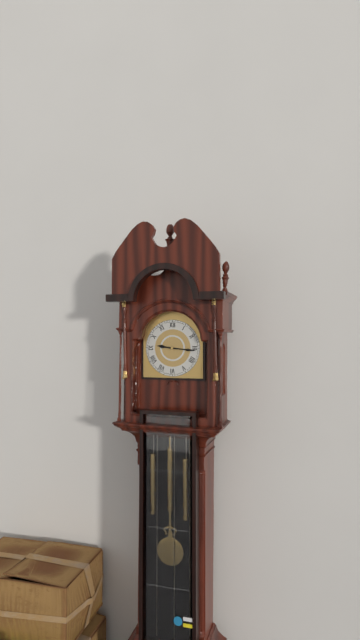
9:16
